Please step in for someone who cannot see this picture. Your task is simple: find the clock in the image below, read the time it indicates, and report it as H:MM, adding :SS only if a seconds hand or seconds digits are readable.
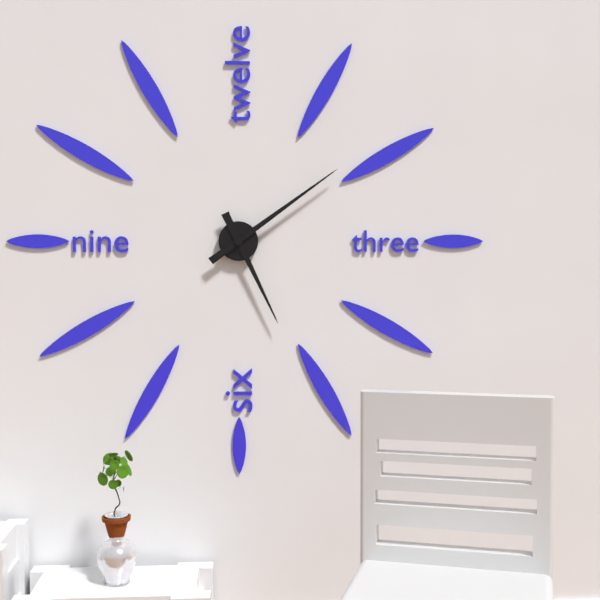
5:09
